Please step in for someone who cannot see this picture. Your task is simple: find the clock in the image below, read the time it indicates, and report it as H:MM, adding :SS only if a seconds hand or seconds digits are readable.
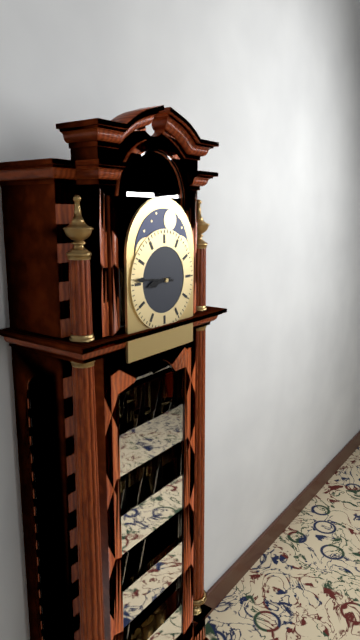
8:46
